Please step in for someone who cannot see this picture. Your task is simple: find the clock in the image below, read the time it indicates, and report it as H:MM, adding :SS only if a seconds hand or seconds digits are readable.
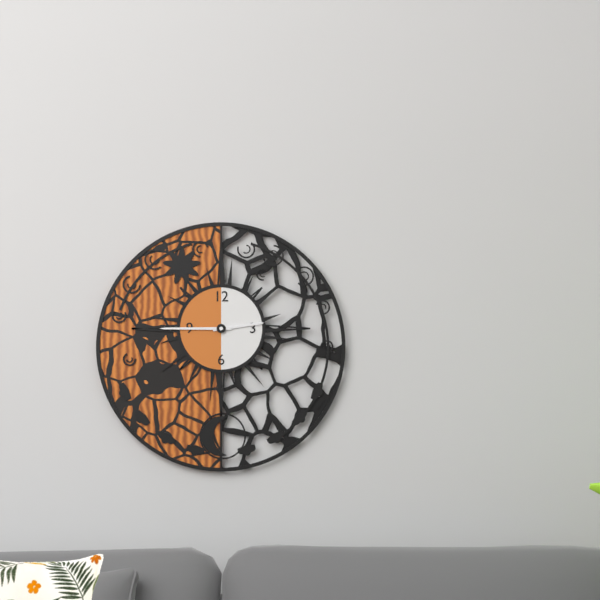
2:45
